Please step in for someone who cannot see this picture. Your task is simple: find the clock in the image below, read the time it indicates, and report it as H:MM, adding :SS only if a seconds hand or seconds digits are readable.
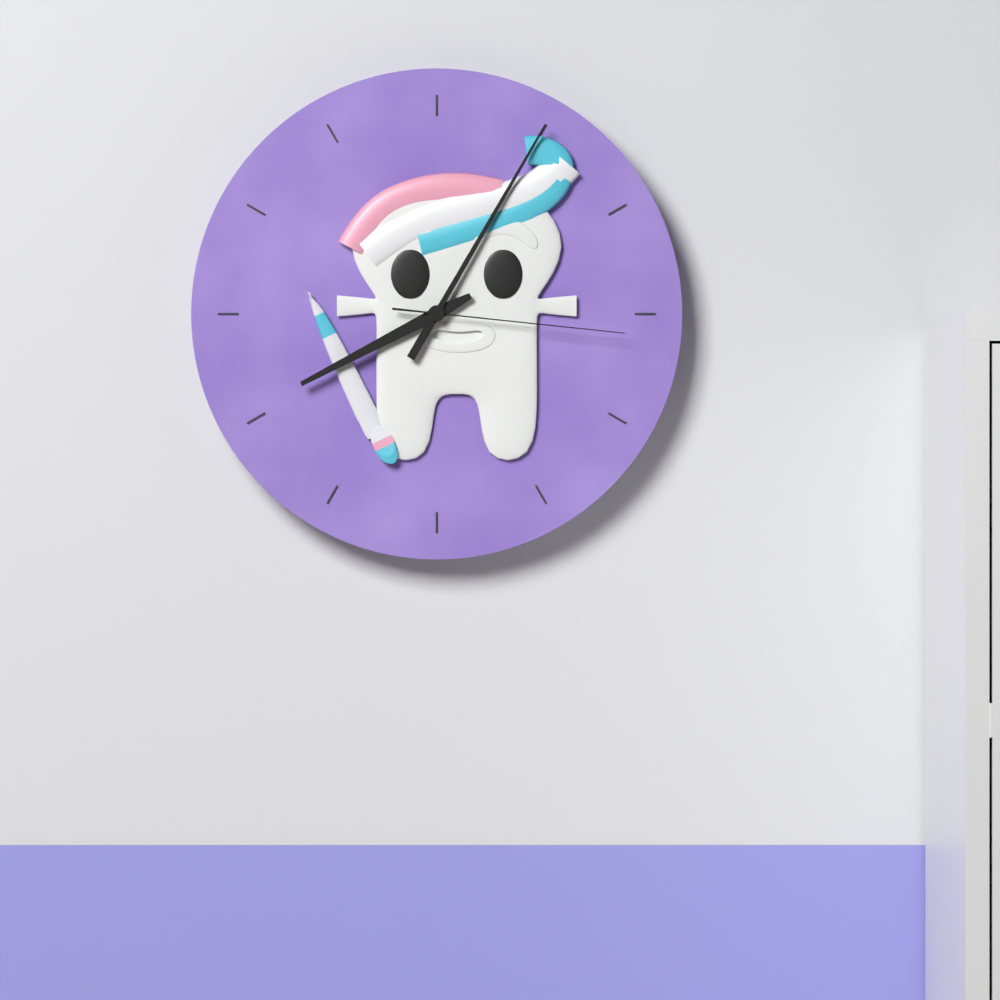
8:05:16
